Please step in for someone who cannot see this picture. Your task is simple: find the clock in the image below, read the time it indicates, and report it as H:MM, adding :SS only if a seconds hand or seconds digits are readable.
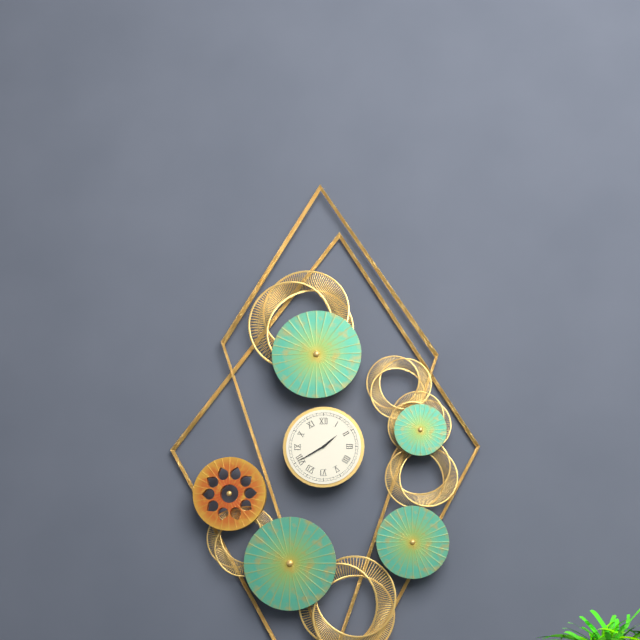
1:40
